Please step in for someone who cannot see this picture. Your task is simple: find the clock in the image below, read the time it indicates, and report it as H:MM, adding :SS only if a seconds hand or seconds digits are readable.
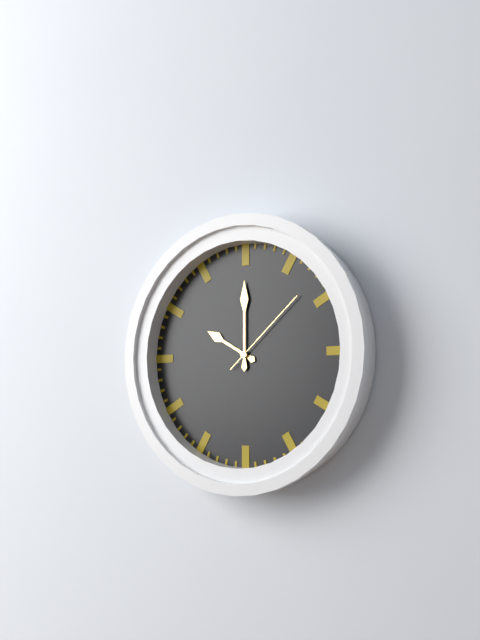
10:00:08
